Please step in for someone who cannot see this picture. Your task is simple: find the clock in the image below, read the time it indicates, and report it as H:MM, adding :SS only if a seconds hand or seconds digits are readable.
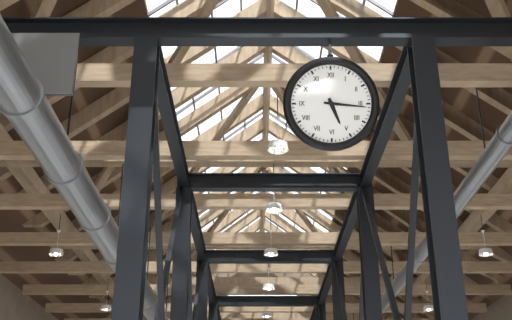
5:16
